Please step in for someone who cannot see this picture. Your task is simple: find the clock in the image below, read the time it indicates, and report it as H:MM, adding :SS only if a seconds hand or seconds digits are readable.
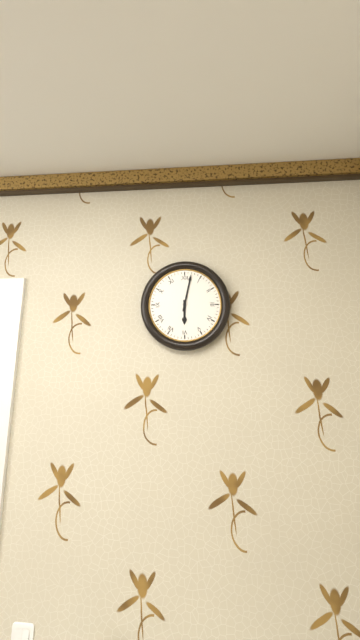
6:02
